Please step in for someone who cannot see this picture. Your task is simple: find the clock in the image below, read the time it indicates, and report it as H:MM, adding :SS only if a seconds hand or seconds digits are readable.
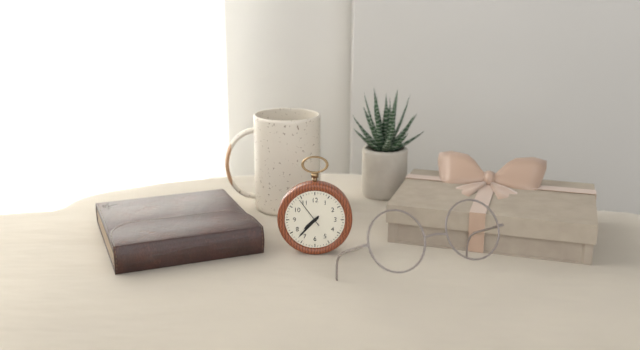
7:37
